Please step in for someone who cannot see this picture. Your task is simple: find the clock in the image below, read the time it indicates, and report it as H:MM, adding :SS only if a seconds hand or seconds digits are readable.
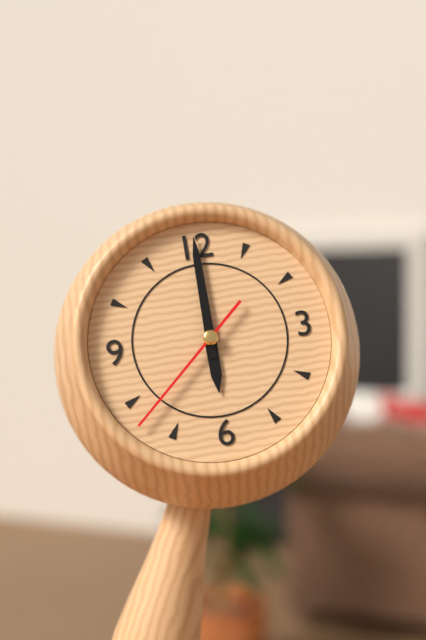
6:00:38
